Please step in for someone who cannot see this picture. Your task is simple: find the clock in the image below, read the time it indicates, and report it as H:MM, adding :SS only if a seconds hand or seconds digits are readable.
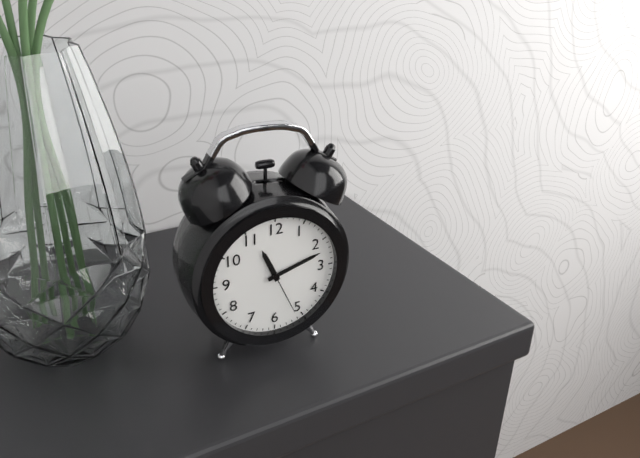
11:12:26
